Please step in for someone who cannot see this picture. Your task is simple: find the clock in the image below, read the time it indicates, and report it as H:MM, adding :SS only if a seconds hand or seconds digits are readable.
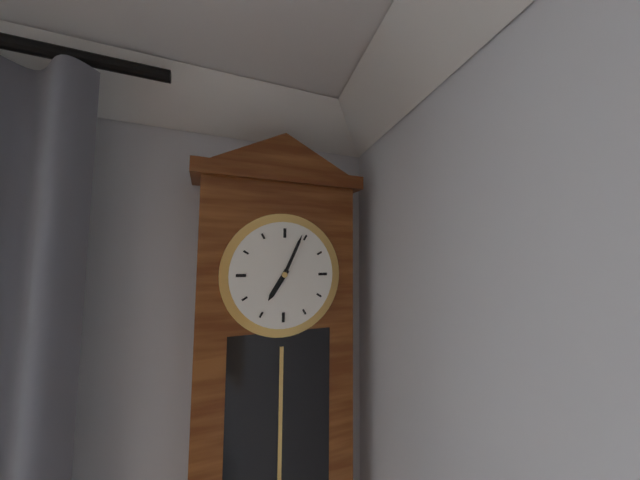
7:04
